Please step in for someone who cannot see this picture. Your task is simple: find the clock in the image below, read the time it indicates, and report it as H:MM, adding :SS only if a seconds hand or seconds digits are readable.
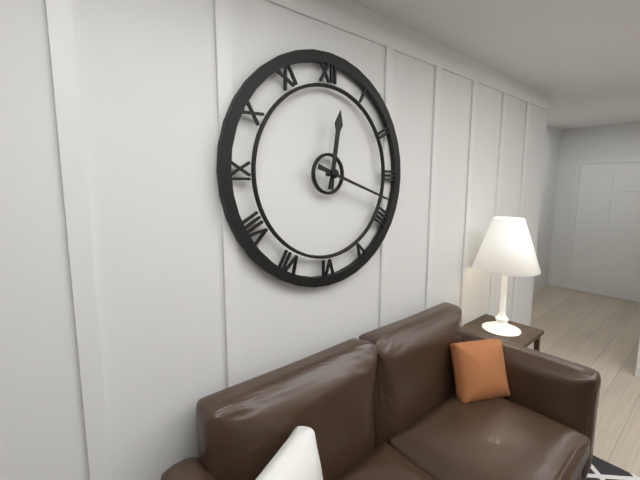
12:18
